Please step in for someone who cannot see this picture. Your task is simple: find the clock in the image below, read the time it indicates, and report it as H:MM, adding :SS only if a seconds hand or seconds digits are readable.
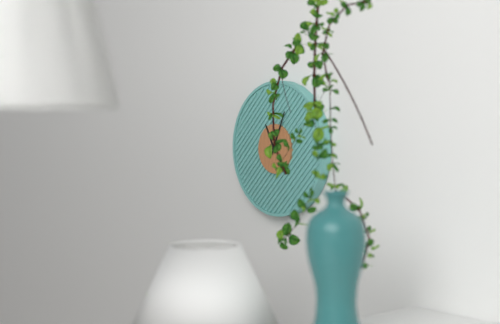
11:04
